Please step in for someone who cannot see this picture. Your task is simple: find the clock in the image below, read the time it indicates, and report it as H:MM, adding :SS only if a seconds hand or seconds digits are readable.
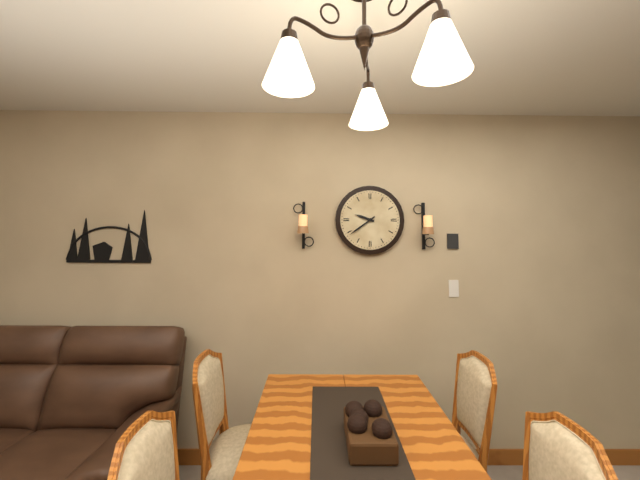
9:39
